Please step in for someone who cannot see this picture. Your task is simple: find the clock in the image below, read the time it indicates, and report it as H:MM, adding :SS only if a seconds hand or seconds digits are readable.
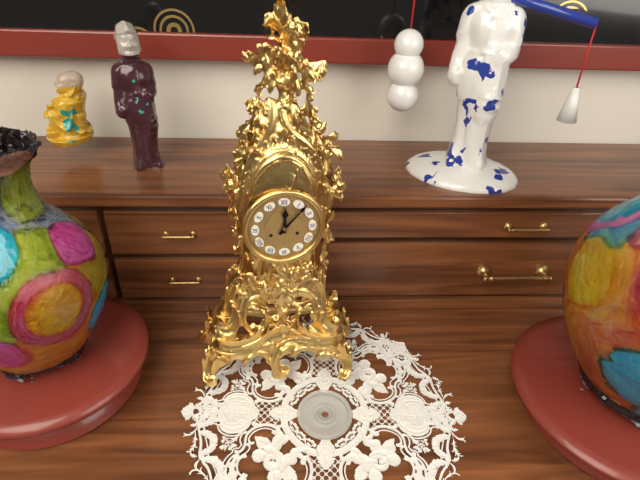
12:07
